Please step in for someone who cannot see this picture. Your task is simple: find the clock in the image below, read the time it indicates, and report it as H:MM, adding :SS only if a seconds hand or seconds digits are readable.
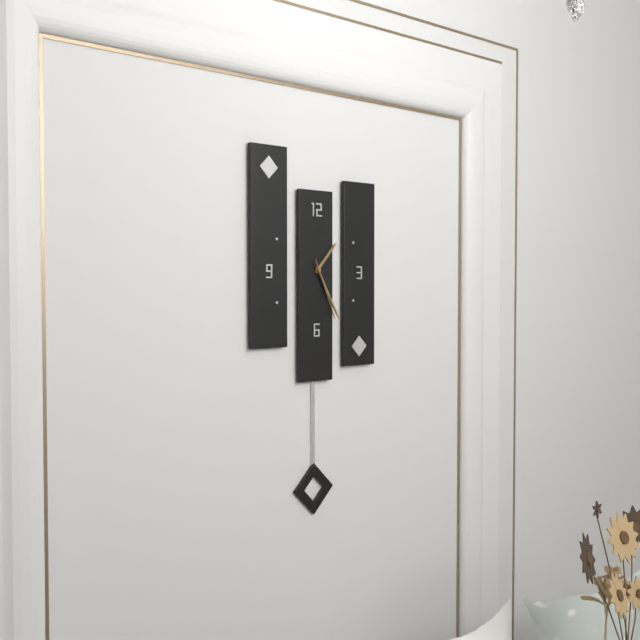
1:25:26
